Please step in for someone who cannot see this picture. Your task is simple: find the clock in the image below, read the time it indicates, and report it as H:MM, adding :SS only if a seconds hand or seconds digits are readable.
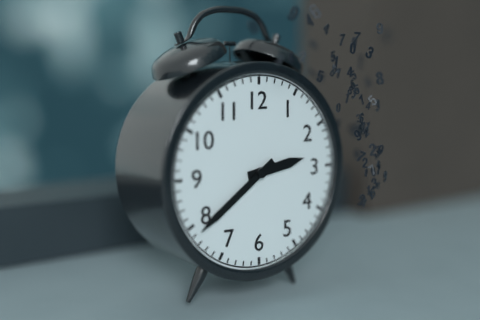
2:39
